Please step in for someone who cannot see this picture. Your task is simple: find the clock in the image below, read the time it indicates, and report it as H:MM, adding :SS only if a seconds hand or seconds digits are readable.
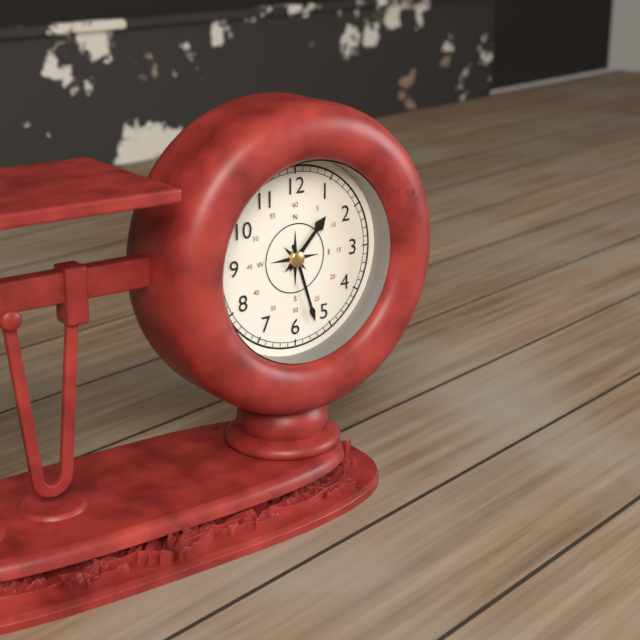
1:27
